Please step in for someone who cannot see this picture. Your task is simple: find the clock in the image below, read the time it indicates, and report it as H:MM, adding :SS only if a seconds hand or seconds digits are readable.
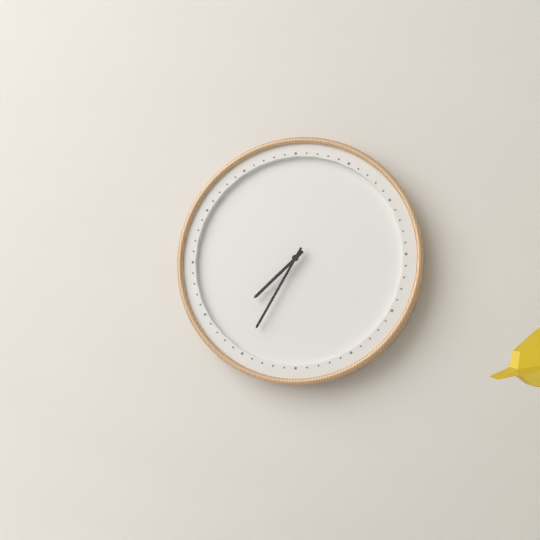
7:35
